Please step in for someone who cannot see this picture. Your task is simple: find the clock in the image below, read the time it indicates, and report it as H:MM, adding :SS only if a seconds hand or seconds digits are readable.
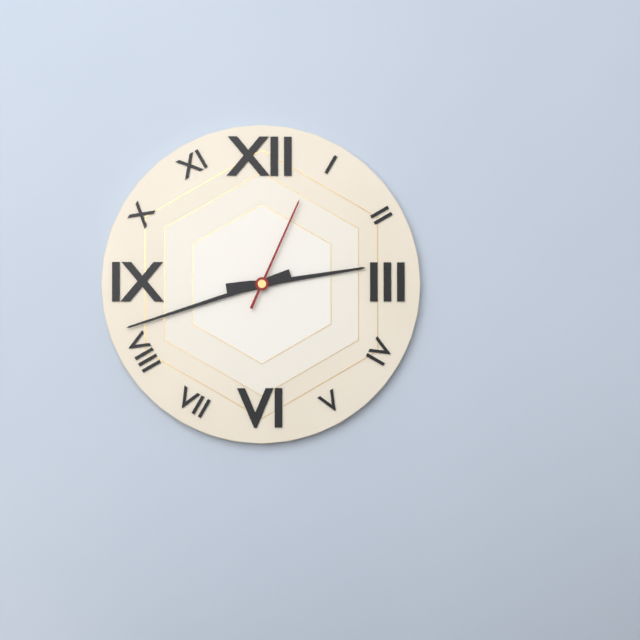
2:42:04
